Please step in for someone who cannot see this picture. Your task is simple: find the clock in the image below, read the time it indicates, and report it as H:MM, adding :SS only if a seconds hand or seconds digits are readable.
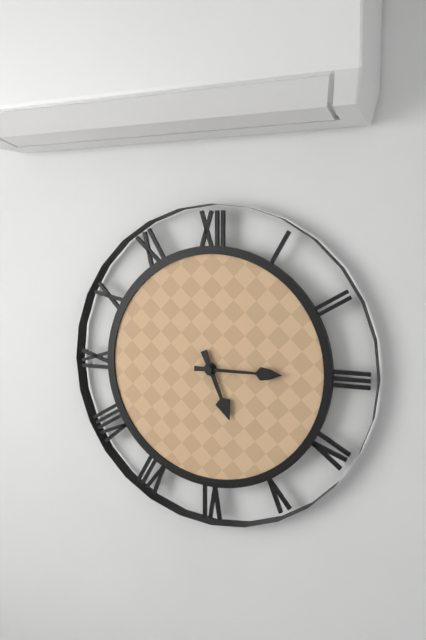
5:15
